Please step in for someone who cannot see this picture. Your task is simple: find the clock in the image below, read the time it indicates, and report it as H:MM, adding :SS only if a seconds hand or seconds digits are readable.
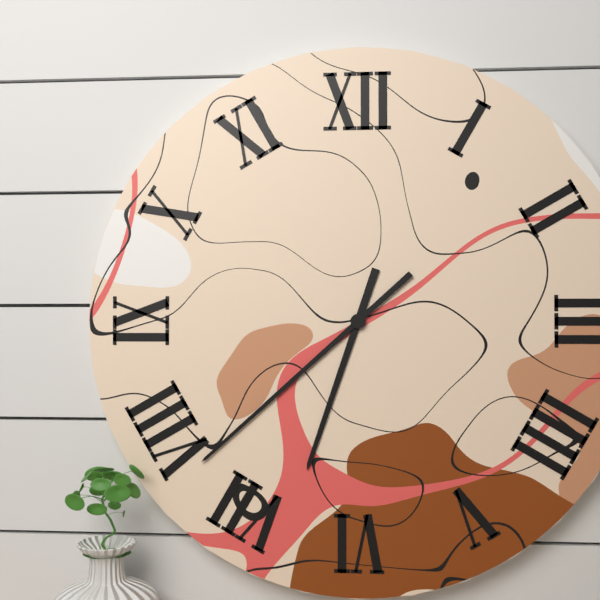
6:38
